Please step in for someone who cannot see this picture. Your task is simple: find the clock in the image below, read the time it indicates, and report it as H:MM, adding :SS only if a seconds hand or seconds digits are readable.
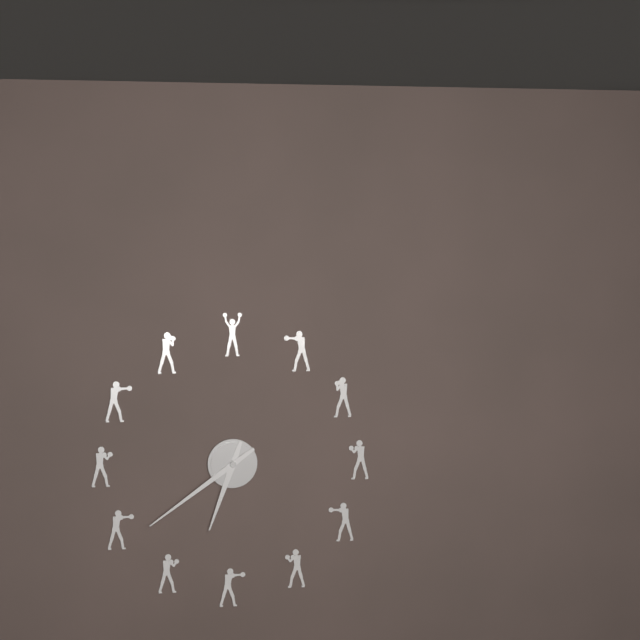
6:39
